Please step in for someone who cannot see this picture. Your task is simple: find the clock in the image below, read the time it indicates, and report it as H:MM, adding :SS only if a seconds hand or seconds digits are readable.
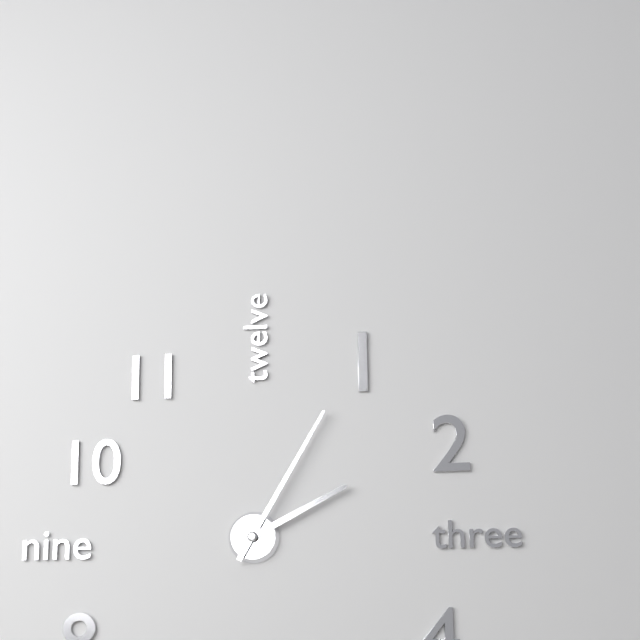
2:05
